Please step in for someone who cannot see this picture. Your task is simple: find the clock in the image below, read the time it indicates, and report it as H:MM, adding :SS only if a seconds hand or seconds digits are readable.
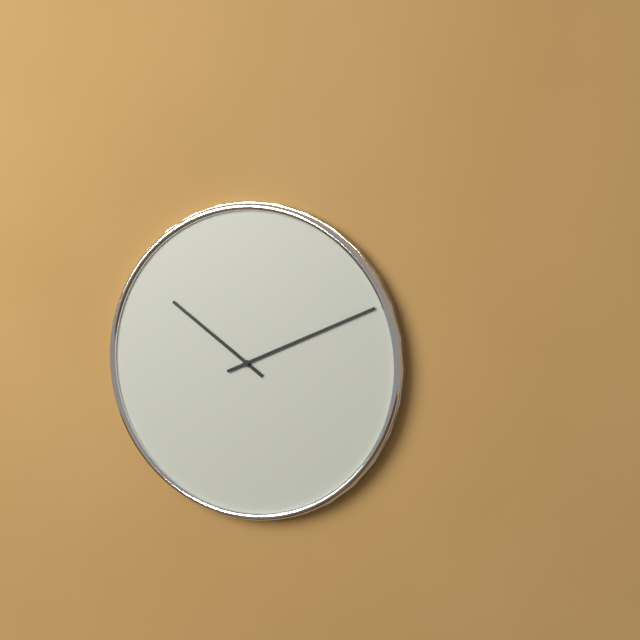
10:11
